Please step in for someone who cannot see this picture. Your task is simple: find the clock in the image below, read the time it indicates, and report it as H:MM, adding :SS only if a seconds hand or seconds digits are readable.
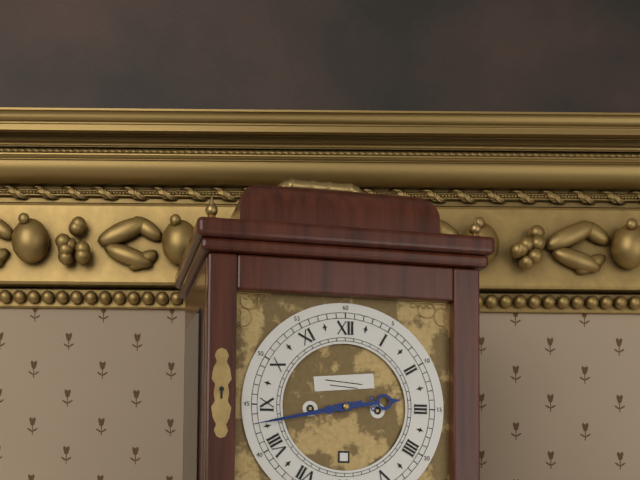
2:43
